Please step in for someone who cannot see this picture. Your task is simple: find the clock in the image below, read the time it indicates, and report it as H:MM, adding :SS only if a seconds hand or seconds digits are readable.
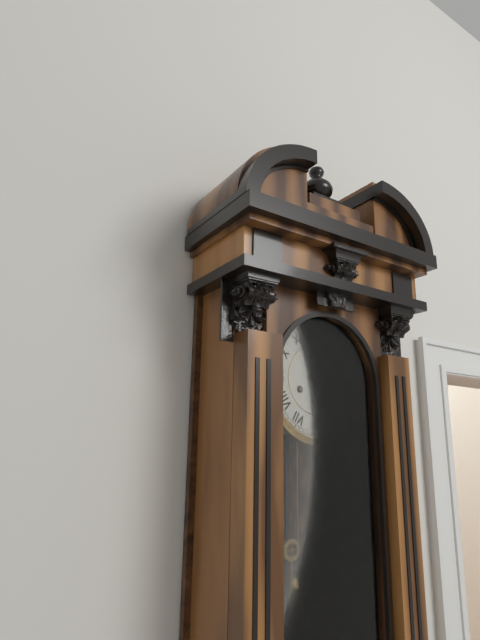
3:56
